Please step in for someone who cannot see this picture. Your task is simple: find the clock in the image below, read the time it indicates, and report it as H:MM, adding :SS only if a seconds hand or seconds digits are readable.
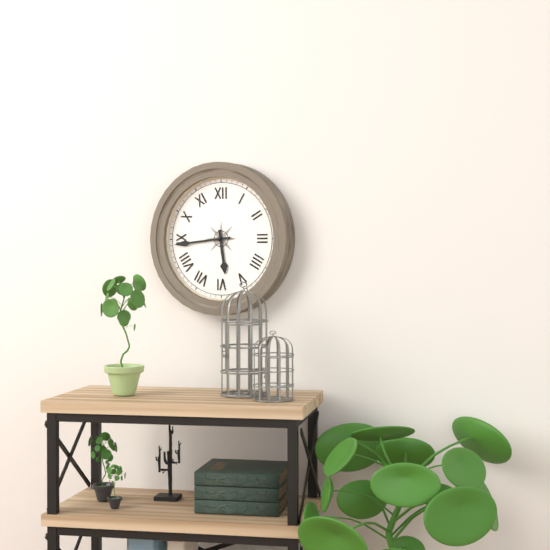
5:44
